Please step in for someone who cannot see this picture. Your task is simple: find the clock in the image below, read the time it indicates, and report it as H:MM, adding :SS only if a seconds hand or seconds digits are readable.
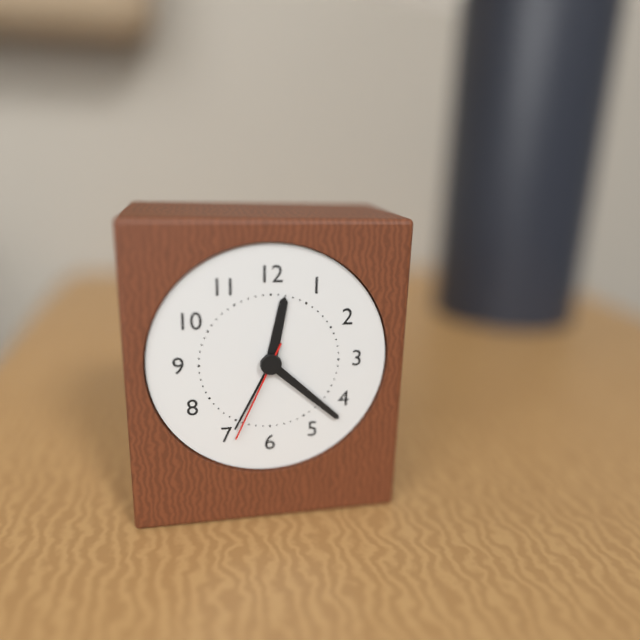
12:22:34
